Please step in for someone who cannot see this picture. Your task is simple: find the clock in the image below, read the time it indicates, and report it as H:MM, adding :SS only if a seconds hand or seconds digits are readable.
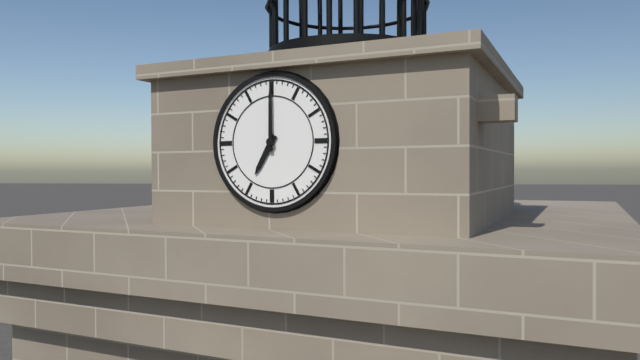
7:00
